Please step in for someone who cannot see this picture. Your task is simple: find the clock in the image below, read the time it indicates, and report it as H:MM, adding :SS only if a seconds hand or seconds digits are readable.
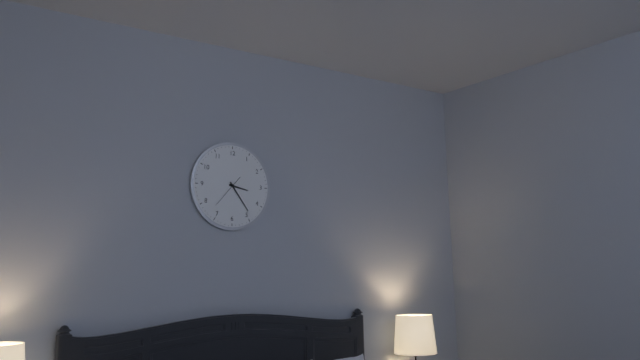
3:24
